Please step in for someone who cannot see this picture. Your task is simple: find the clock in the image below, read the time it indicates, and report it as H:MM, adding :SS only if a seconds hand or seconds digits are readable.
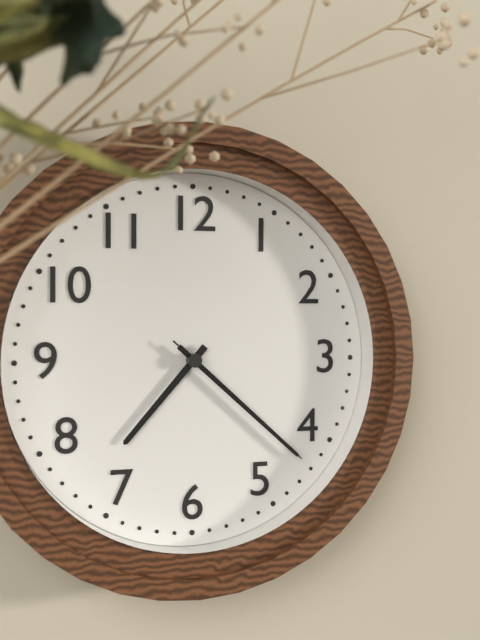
7:22:22
